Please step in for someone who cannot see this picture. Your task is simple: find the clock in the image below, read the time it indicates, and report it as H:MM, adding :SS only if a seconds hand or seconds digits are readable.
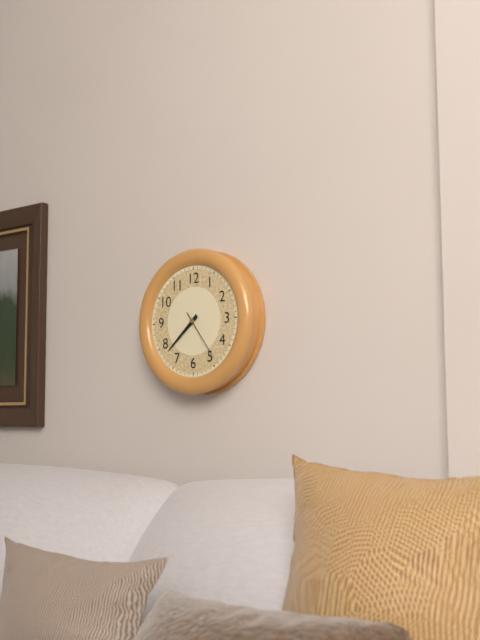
7:38:24
